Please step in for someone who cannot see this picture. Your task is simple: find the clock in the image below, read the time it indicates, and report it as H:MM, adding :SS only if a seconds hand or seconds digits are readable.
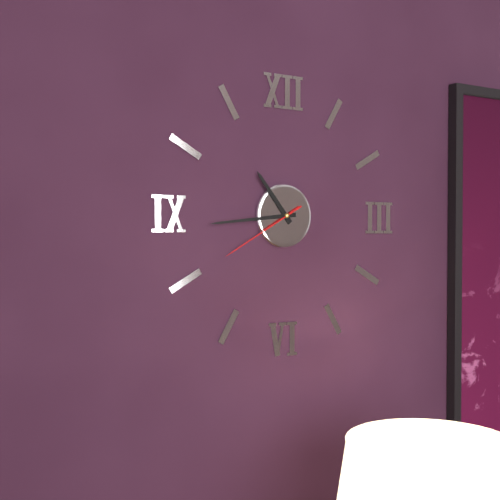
10:44:40
